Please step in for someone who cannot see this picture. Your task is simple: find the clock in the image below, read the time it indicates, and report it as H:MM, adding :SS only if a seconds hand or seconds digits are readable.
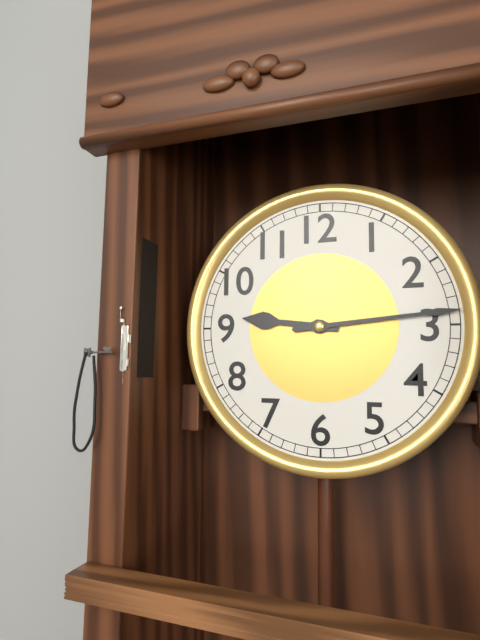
9:14
